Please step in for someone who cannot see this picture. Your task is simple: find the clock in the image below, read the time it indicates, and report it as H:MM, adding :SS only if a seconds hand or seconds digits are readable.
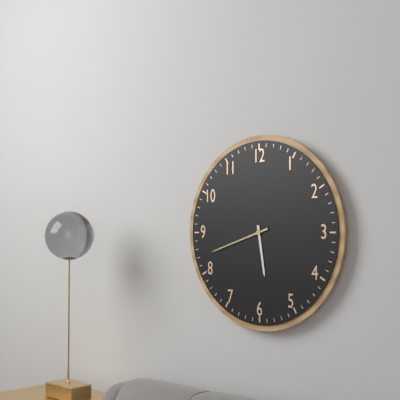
5:42
